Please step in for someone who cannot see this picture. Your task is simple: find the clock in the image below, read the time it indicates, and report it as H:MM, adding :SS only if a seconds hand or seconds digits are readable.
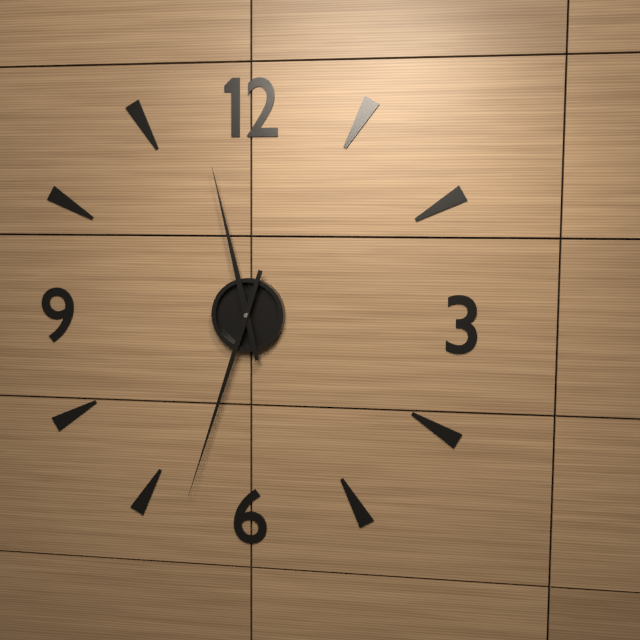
11:33
